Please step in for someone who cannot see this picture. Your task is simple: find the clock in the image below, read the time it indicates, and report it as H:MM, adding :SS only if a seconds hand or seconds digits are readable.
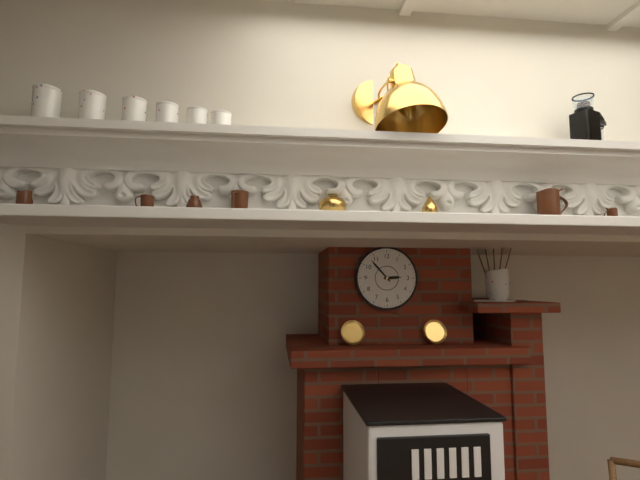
2:53
